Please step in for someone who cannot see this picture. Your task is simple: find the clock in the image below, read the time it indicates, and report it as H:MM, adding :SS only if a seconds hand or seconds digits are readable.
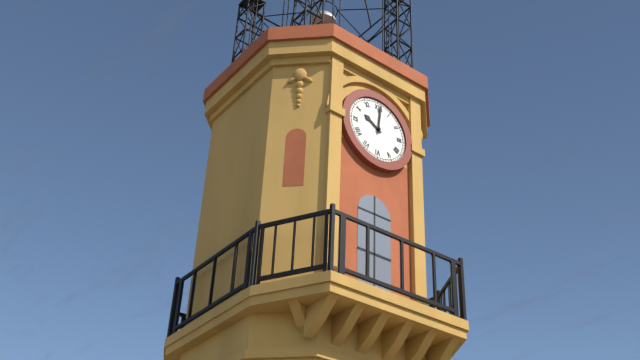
10:01
